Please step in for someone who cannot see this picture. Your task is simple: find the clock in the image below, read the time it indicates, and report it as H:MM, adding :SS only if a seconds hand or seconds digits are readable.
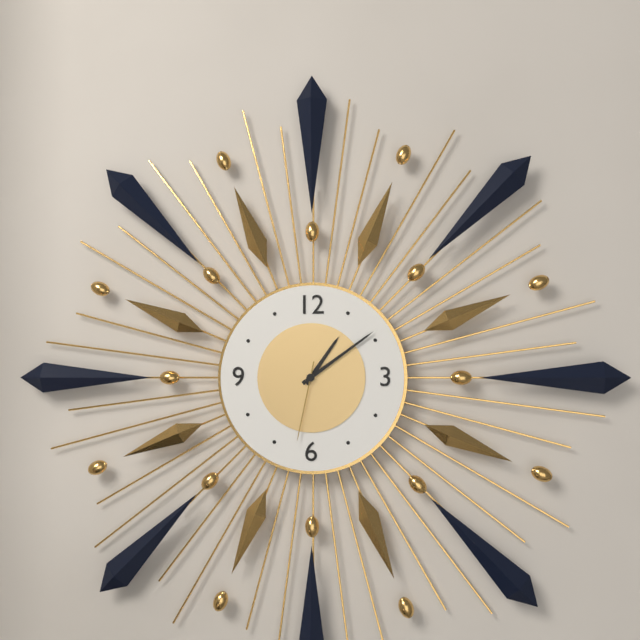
1:09:32
